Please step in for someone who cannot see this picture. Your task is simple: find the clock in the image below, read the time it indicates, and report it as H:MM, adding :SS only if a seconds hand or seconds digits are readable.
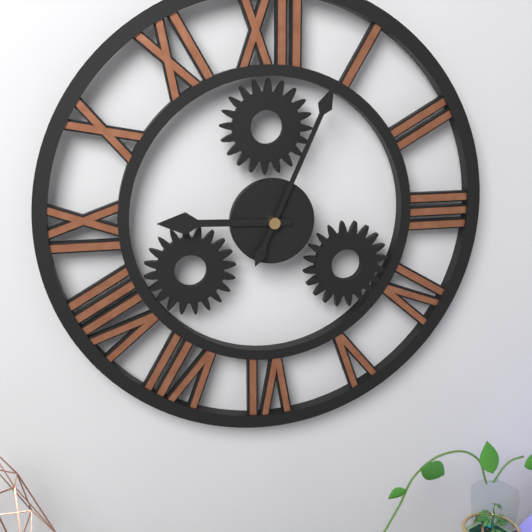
9:04
